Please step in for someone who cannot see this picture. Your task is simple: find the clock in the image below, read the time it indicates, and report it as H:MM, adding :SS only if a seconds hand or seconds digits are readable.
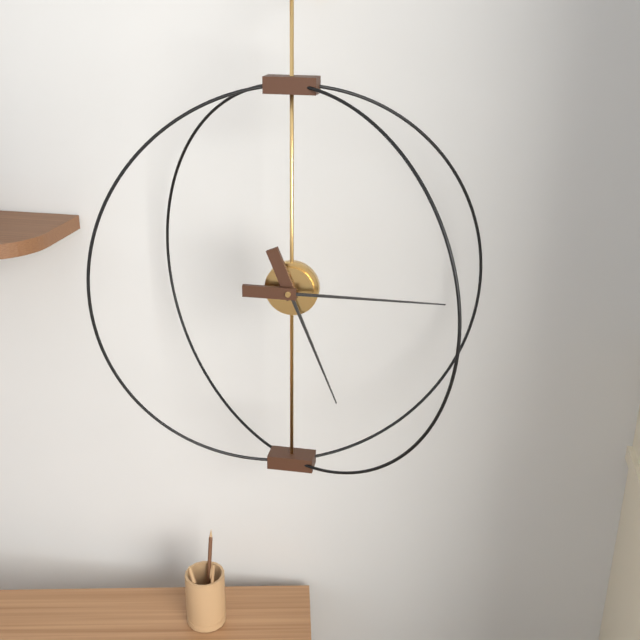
5:15
